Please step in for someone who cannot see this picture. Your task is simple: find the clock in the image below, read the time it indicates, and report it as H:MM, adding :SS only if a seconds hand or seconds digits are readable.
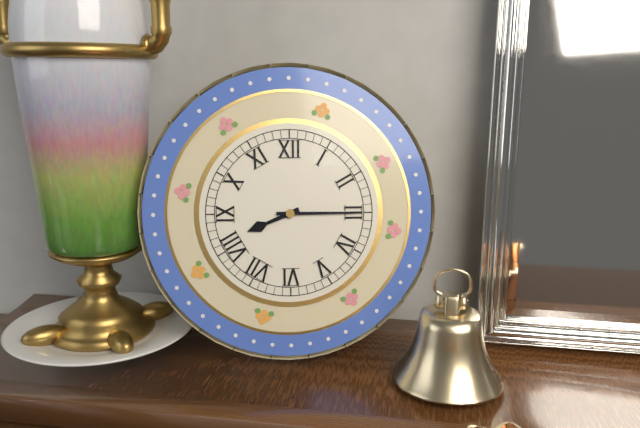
8:15
